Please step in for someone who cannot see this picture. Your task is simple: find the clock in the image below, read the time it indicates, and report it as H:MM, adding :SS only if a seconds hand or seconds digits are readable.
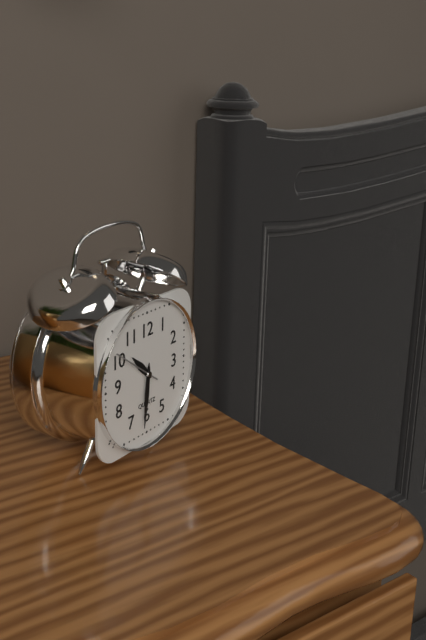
10:31
